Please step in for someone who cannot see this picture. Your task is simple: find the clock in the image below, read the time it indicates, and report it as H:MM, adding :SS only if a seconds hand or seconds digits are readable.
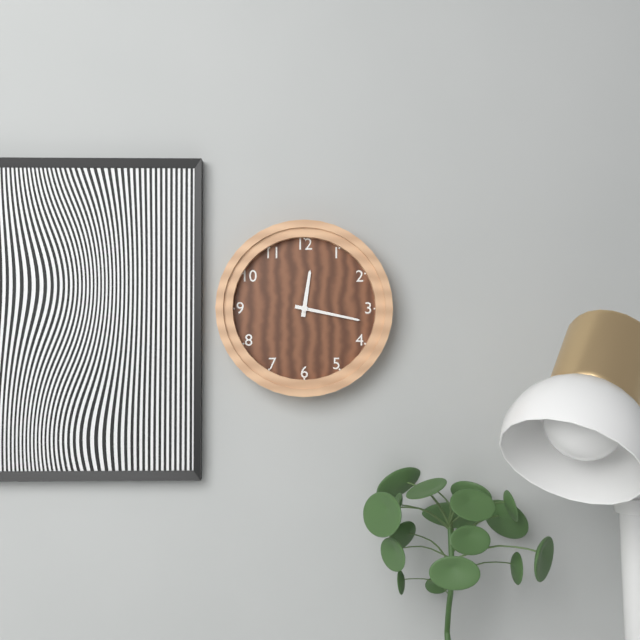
12:17
